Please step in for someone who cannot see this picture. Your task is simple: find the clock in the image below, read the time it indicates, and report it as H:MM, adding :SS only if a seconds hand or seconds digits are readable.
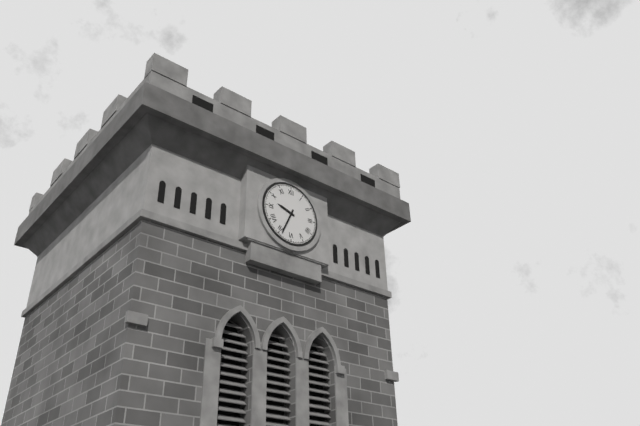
9:34
